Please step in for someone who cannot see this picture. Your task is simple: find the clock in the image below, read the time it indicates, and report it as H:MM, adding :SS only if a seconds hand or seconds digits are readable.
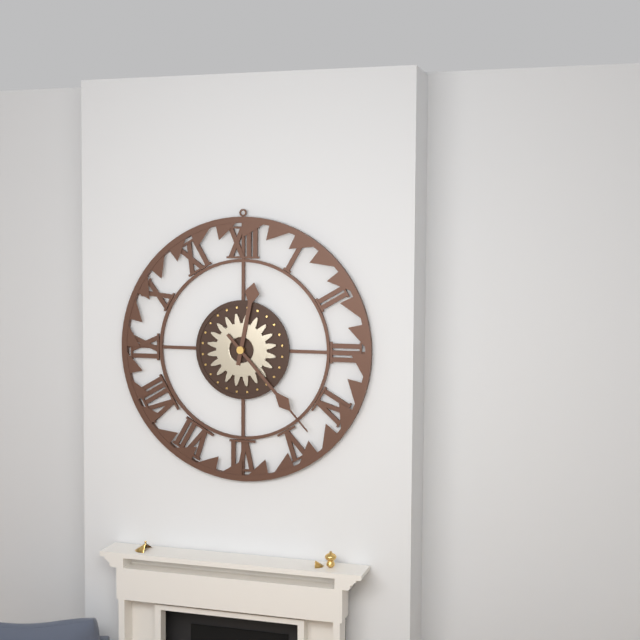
12:23
